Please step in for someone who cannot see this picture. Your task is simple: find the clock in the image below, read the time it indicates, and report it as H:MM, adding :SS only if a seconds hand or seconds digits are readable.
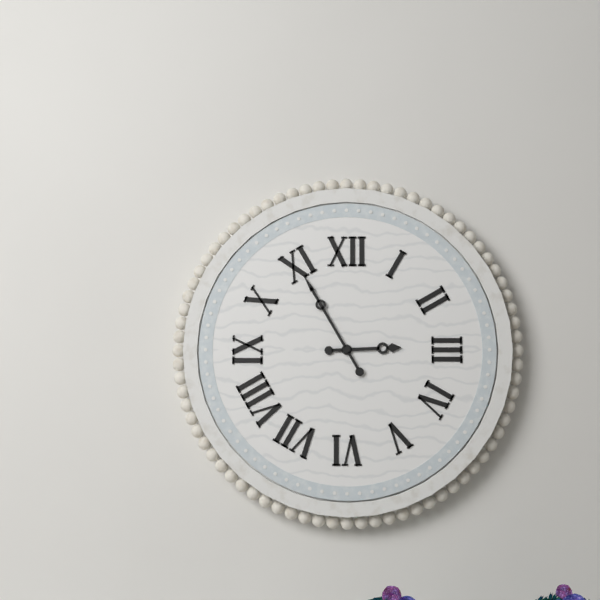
2:55
